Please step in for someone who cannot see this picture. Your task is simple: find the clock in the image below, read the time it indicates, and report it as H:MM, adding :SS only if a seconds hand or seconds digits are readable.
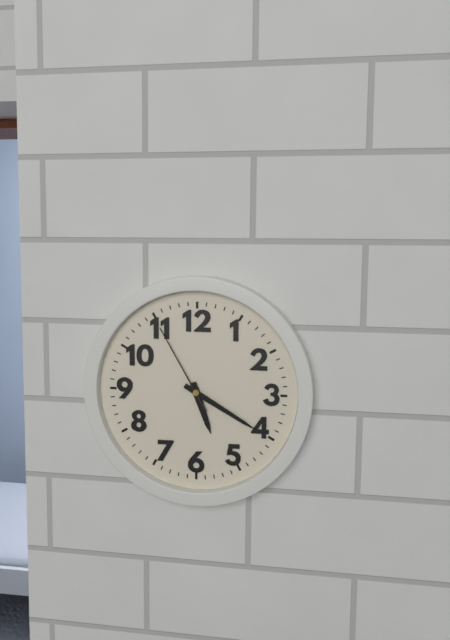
5:20:55
